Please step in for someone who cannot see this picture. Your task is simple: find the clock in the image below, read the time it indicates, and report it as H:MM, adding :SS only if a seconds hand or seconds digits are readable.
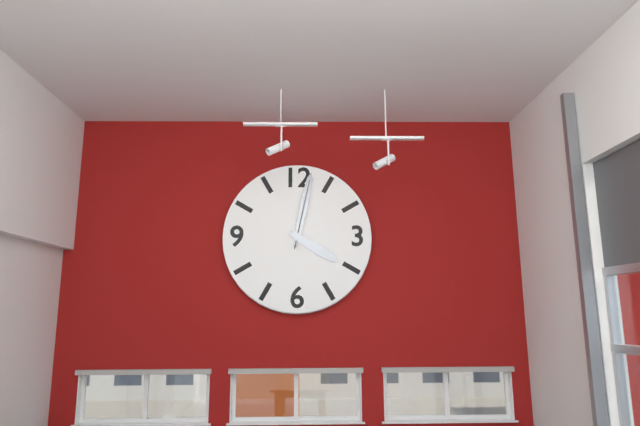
4:02:02
